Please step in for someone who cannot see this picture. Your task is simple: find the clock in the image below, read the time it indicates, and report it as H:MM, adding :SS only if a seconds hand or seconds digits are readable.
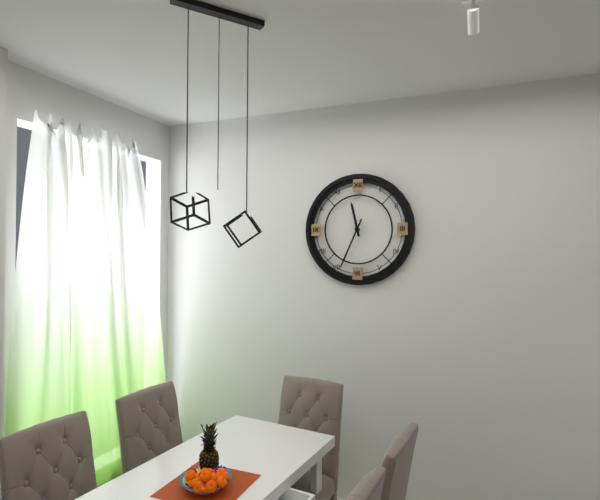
11:34
